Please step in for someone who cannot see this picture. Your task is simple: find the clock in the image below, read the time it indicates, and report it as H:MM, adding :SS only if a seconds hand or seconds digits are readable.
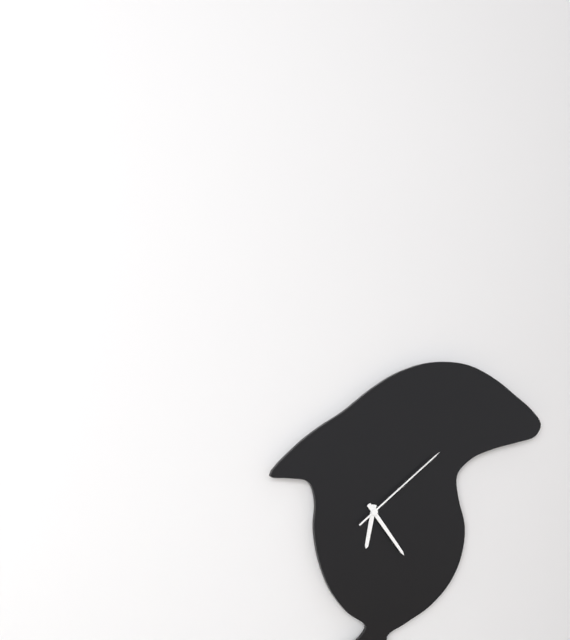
6:24:09
